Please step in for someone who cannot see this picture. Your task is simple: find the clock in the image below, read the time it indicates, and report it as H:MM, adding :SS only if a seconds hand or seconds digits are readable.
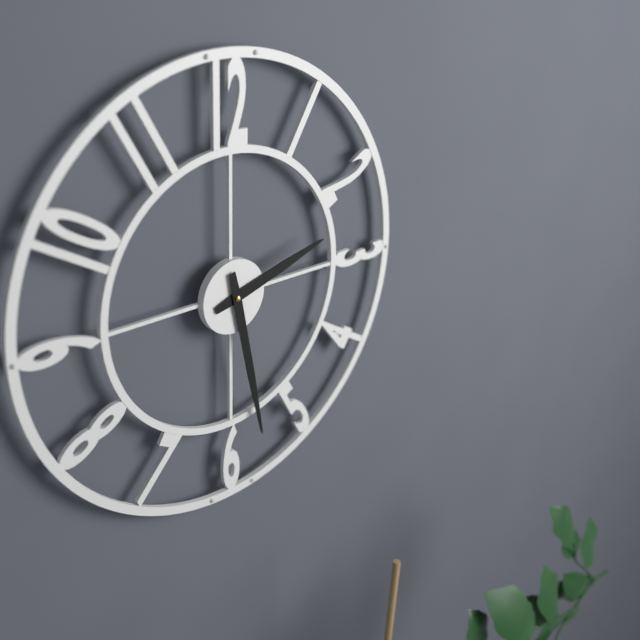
2:28
